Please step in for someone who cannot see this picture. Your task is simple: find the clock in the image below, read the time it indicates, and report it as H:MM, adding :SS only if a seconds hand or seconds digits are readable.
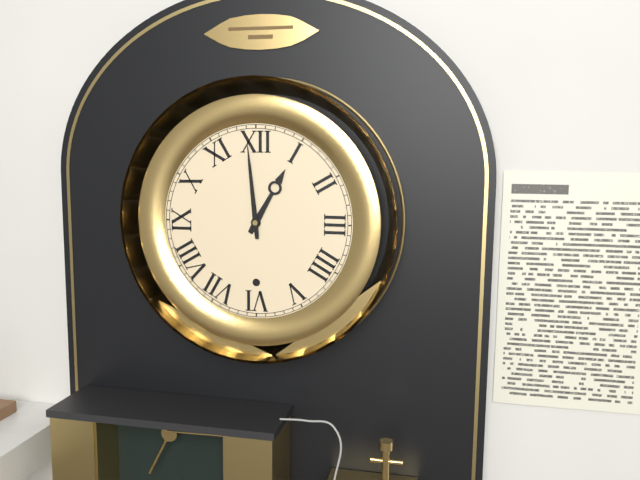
12:59
